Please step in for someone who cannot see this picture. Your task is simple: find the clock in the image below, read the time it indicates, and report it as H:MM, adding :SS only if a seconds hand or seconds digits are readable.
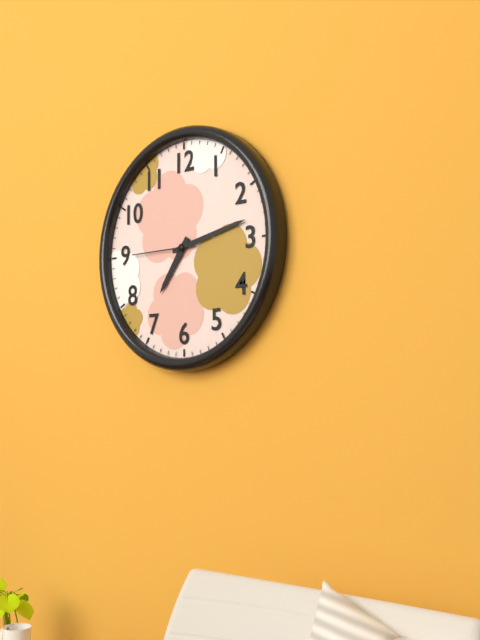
7:13:45
